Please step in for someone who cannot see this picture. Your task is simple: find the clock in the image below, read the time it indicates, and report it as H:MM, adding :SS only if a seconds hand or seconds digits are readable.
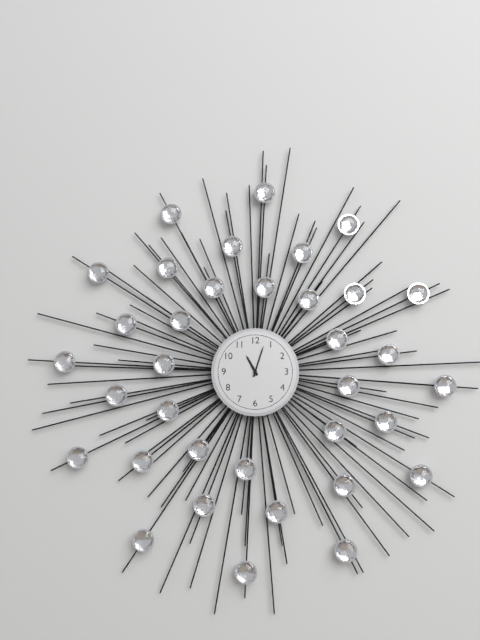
11:03
